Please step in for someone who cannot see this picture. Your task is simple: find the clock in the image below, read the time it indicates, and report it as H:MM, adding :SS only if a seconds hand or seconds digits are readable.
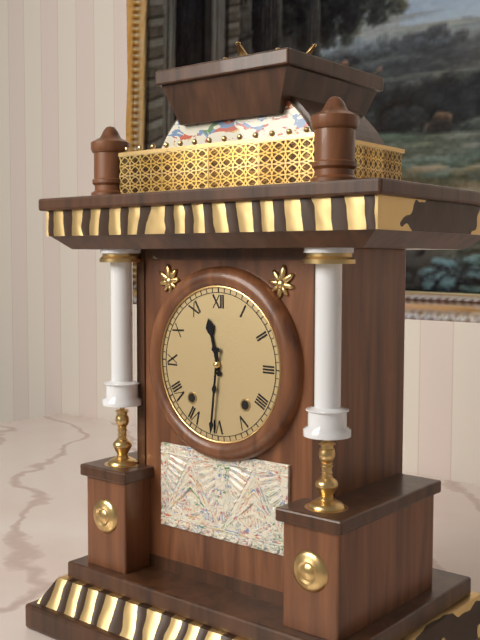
11:31
